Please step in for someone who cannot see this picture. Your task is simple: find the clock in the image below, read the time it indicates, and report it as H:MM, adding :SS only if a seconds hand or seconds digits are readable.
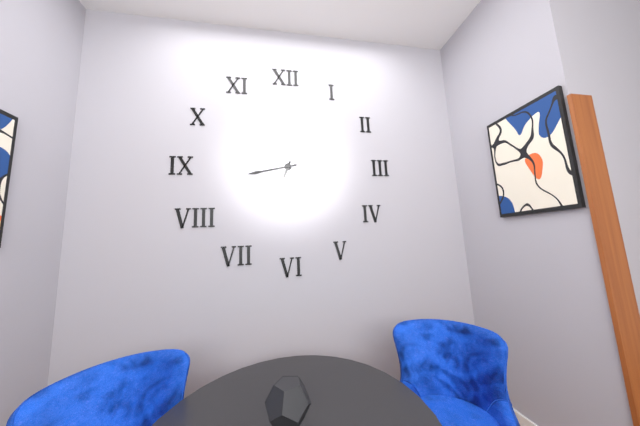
6:43
